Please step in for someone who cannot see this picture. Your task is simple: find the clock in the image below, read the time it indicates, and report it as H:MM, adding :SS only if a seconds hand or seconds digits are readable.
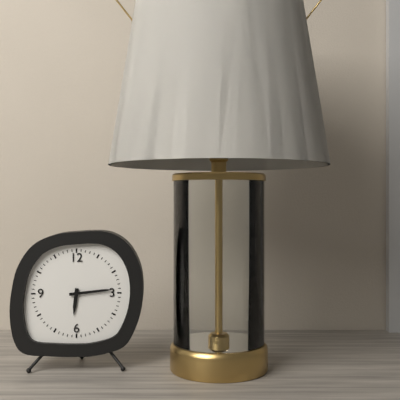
6:14
